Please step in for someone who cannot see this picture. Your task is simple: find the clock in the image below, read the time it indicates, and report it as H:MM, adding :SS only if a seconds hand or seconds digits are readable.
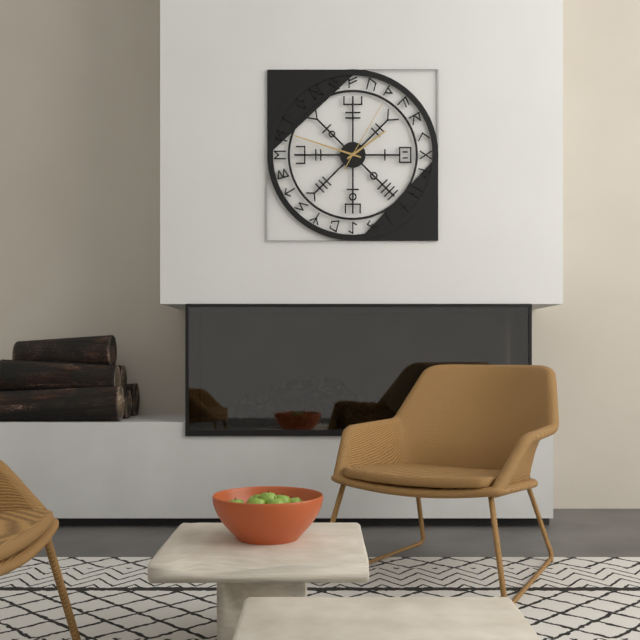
1:48:05
